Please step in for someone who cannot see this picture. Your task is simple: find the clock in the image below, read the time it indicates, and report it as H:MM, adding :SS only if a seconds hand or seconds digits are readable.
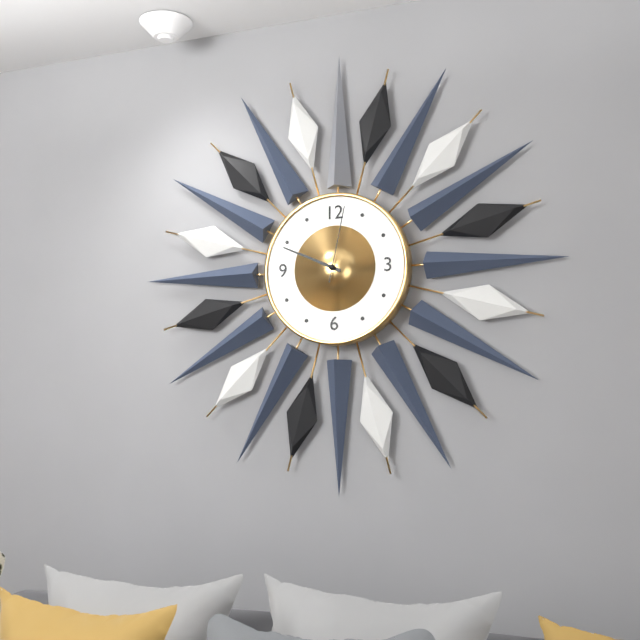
9:49:02
